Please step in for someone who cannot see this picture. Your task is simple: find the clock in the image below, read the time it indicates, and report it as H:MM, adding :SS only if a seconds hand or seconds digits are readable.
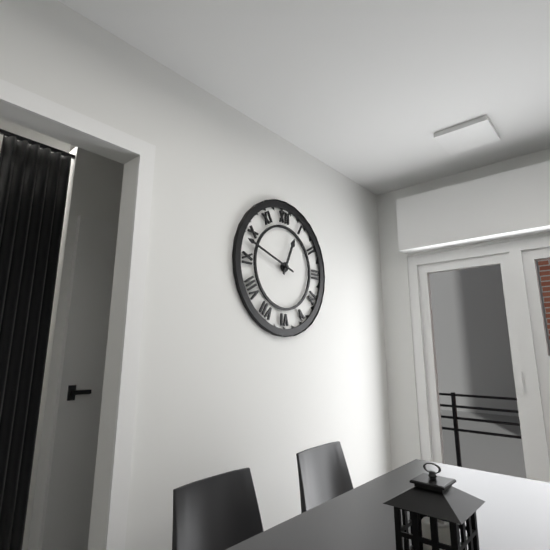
12:48
